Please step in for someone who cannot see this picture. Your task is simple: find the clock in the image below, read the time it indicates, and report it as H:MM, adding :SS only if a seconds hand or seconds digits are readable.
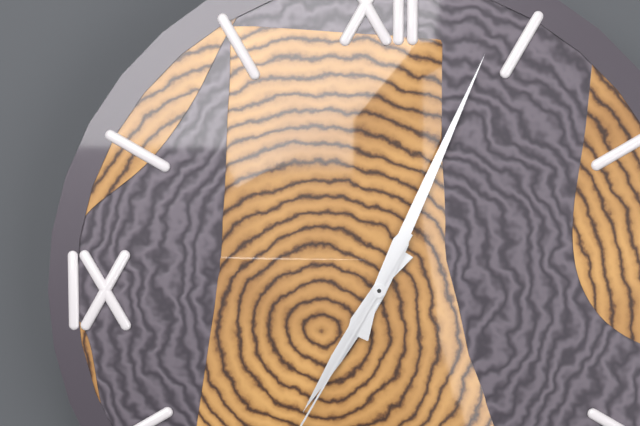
7:04
